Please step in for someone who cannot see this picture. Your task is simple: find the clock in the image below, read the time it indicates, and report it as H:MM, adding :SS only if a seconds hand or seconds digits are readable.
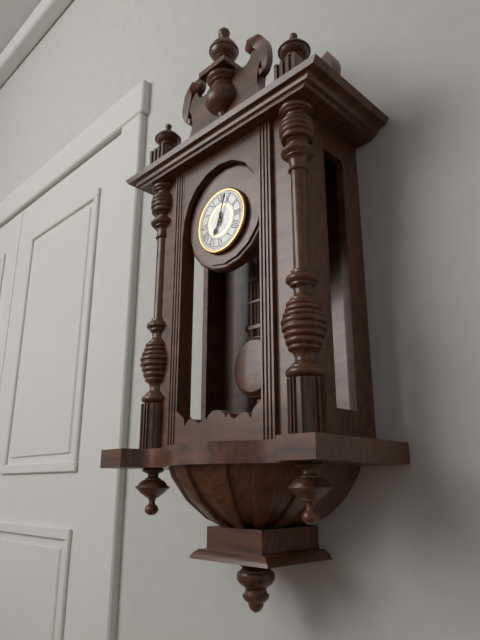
7:03
